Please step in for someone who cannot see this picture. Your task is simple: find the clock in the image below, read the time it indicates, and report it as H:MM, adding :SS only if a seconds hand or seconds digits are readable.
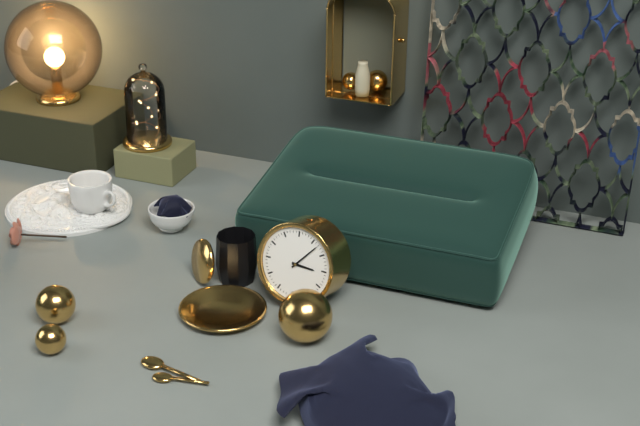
3:07
